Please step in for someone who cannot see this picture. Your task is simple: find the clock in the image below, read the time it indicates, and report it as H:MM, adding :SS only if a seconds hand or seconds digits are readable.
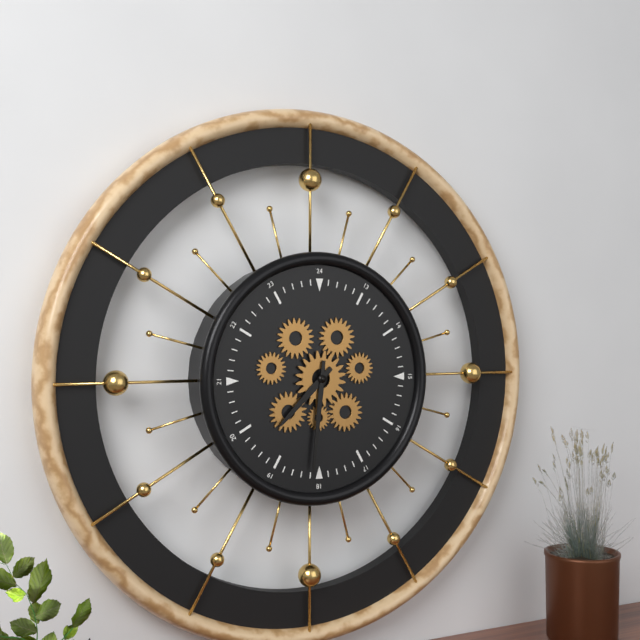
7:31
